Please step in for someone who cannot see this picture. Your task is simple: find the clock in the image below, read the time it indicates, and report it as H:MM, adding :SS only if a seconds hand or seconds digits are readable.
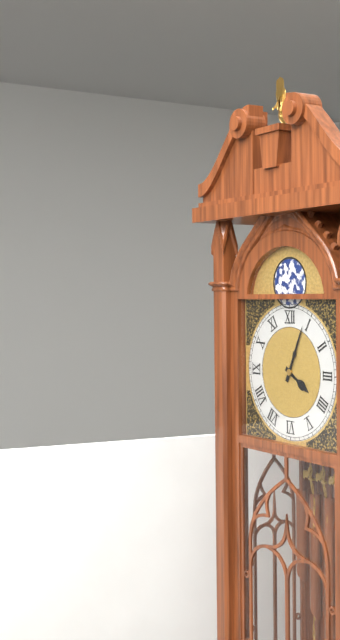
4:04
